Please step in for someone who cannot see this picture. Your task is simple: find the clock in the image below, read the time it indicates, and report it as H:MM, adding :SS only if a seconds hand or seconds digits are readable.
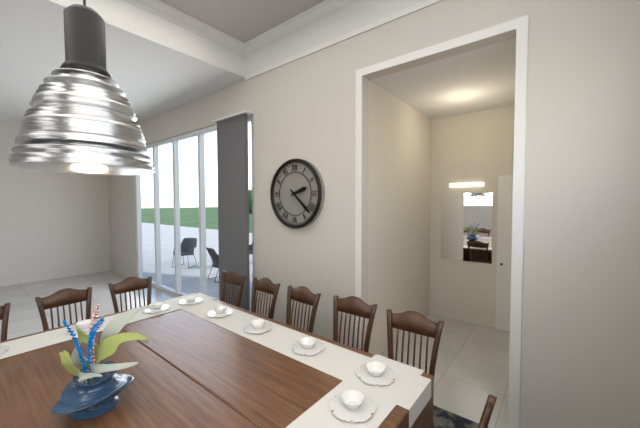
2:22
